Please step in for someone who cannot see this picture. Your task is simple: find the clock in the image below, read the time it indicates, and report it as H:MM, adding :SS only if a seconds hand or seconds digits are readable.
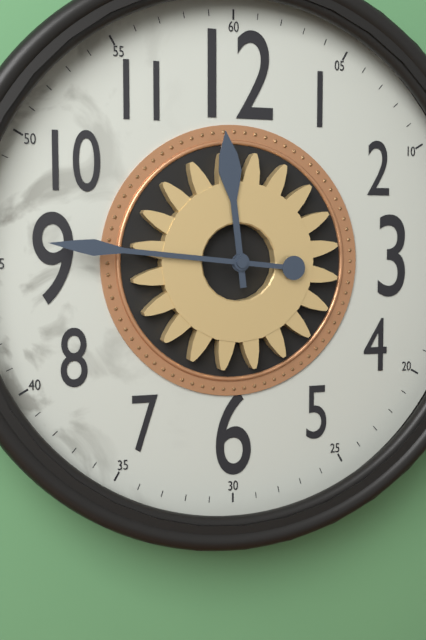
11:46
